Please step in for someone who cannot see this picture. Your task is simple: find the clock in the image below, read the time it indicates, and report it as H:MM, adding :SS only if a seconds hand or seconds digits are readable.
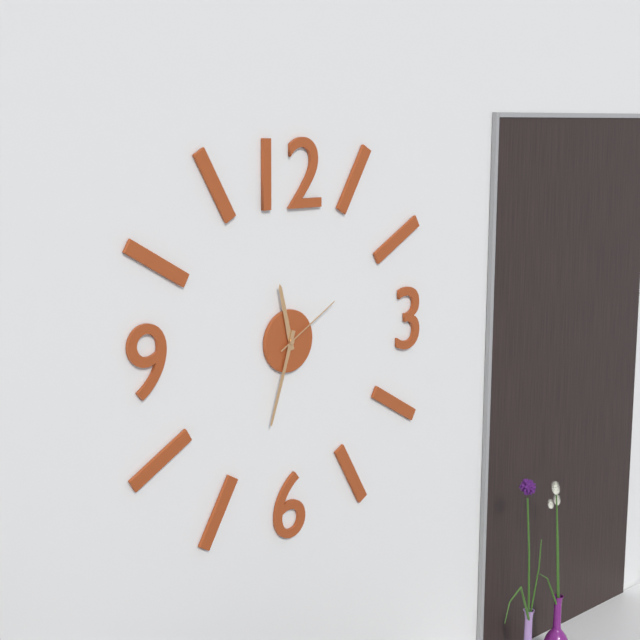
11:33:10
